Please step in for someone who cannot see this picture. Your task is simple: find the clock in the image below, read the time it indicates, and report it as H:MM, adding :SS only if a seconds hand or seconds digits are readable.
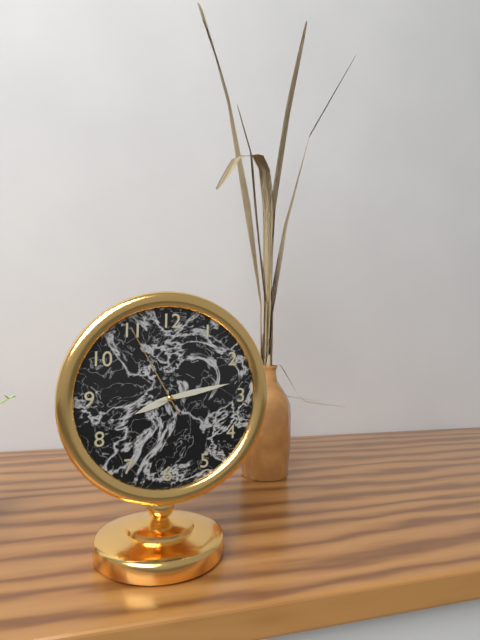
8:13:55
